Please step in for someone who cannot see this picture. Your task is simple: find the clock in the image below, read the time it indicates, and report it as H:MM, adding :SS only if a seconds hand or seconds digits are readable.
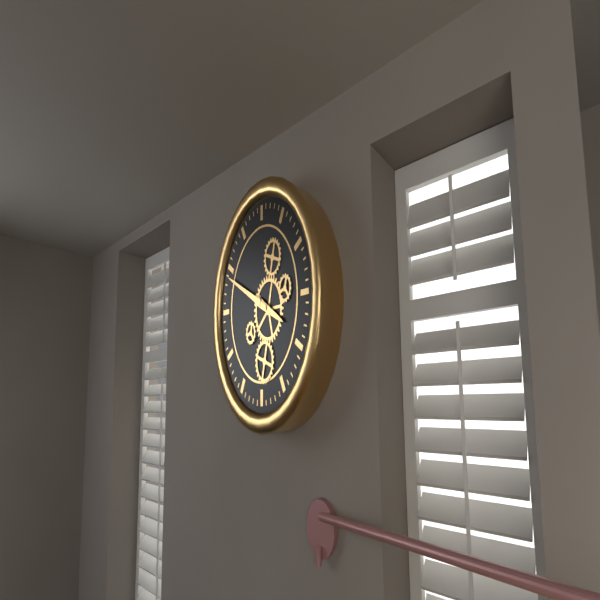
3:49
